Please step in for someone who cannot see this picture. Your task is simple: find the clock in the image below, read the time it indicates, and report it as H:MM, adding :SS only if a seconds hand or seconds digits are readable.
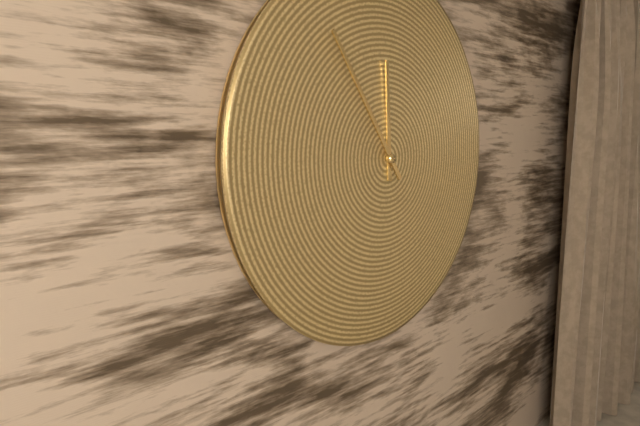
11:54
